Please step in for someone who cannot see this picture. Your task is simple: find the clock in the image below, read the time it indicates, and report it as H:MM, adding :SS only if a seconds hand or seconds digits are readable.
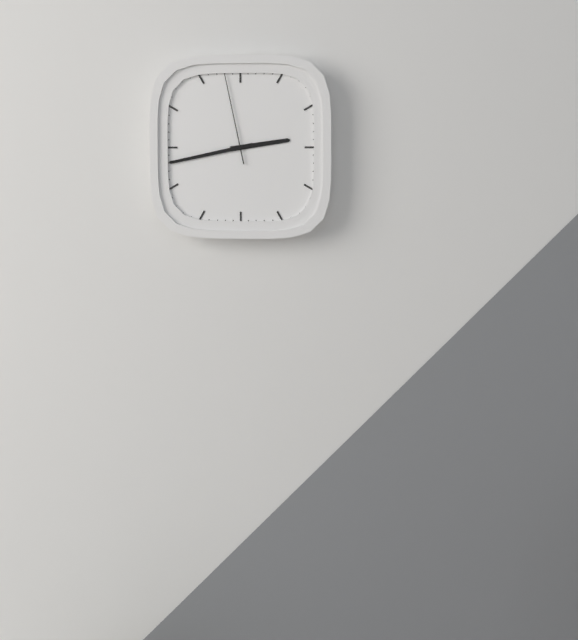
2:43:58
